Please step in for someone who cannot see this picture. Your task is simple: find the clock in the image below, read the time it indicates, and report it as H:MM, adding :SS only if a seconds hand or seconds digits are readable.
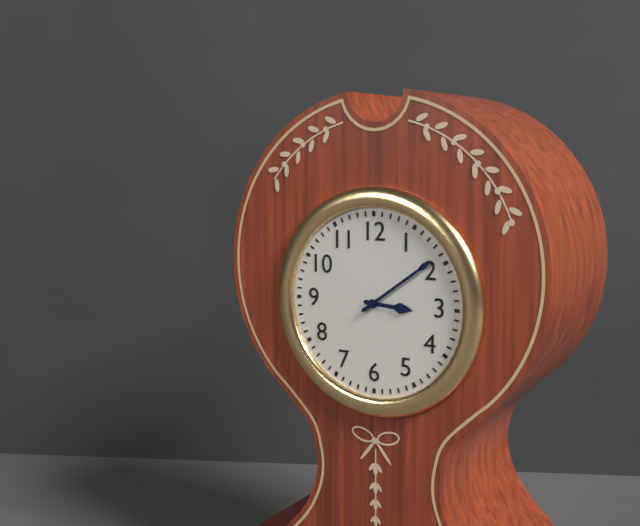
3:09
